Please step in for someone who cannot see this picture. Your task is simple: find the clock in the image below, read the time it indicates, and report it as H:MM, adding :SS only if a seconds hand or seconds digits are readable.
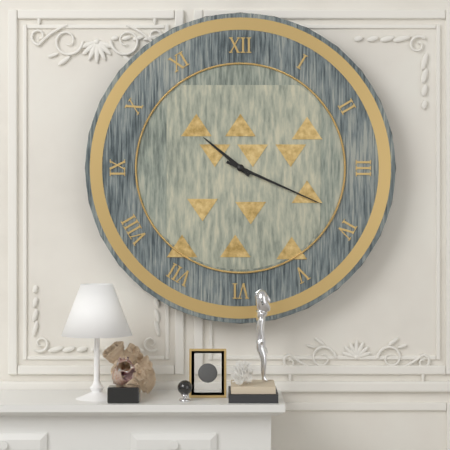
10:19
